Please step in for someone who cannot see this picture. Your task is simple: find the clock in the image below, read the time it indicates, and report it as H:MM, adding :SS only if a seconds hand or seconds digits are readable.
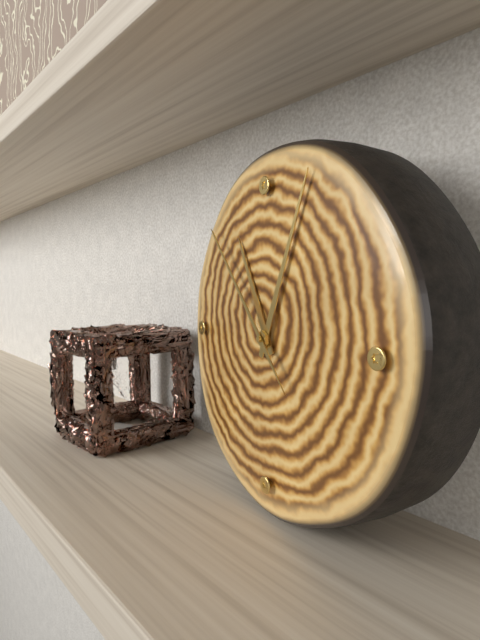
11:04:53
